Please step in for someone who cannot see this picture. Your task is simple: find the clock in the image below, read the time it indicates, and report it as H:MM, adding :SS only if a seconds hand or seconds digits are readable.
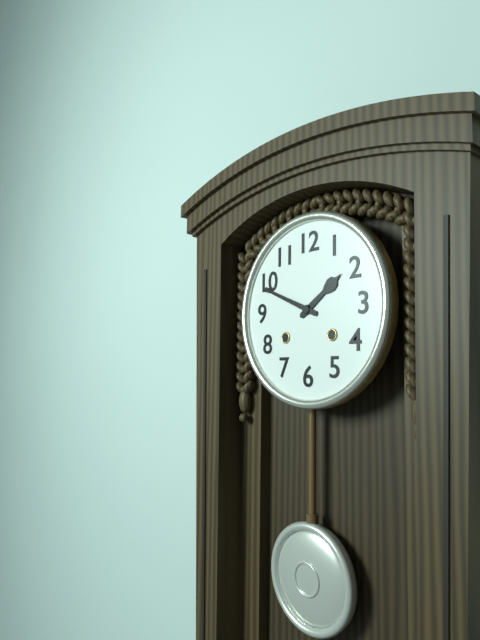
1:49
